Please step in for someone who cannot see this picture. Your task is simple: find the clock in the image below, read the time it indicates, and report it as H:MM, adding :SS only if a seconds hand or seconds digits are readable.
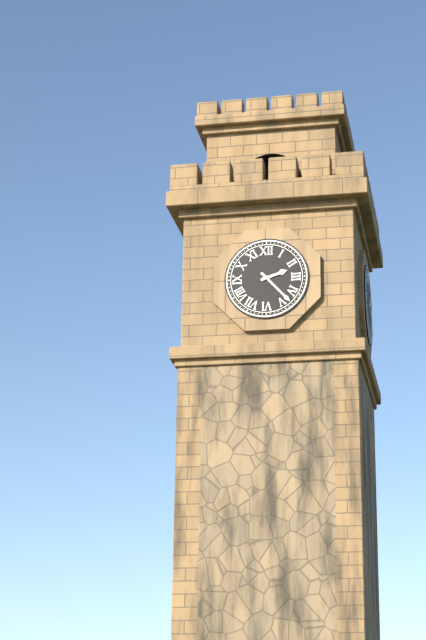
2:23
